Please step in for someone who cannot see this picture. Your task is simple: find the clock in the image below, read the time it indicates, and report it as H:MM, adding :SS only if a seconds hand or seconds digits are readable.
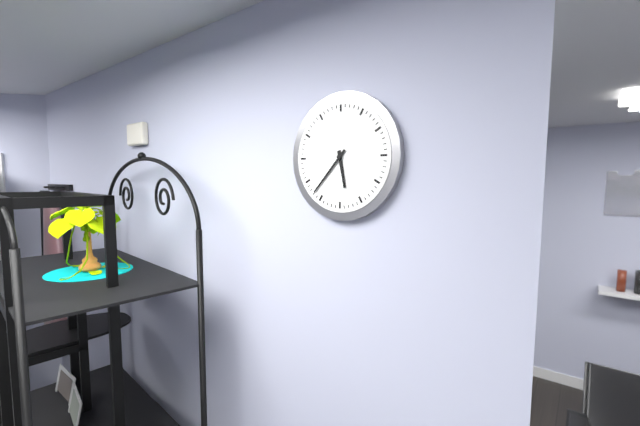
5:37
